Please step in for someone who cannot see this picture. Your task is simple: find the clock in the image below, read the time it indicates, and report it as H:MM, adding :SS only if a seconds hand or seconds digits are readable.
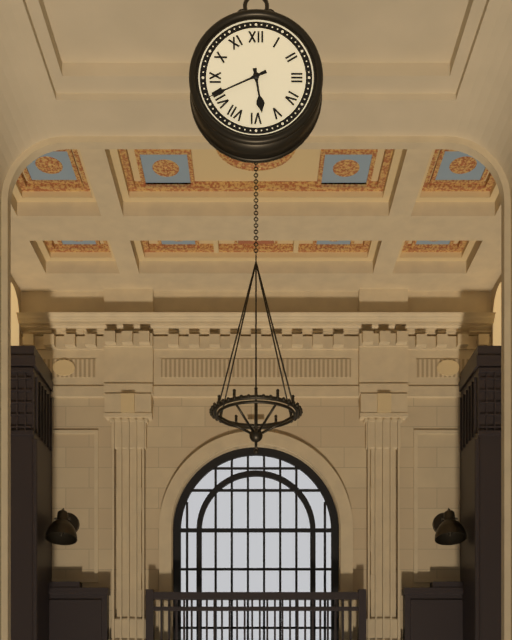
5:41
